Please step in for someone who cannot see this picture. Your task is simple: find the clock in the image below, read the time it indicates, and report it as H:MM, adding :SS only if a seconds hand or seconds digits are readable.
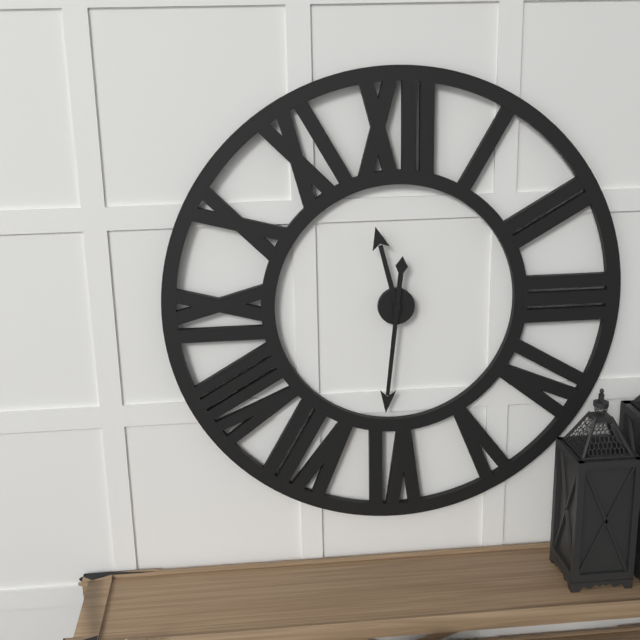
11:31
